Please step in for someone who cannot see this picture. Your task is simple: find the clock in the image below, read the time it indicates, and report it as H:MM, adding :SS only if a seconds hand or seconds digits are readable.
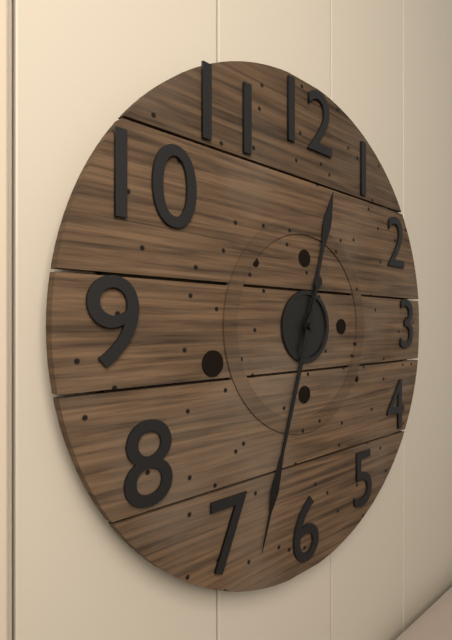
12:33
